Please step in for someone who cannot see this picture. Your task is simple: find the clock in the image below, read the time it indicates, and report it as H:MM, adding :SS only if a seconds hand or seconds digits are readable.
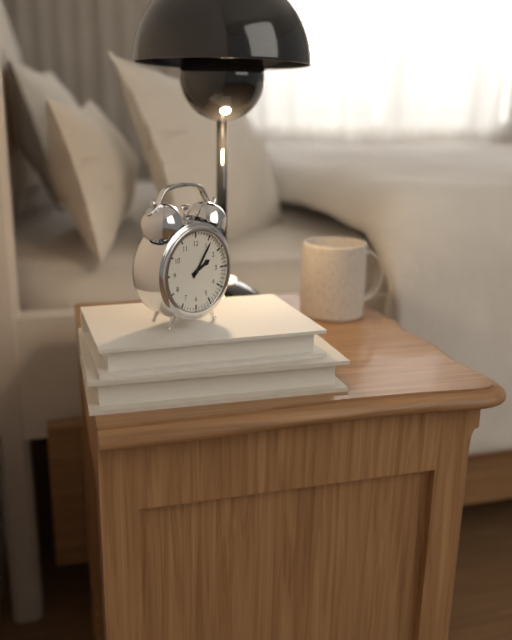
2:06
